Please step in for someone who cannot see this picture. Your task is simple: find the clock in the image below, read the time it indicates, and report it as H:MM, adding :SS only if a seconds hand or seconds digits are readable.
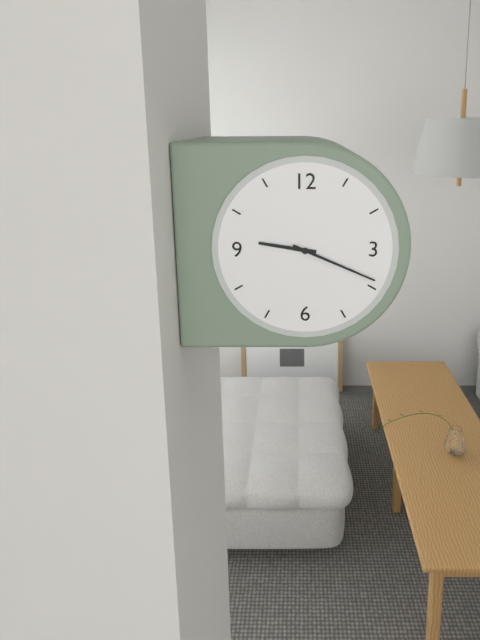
9:19
